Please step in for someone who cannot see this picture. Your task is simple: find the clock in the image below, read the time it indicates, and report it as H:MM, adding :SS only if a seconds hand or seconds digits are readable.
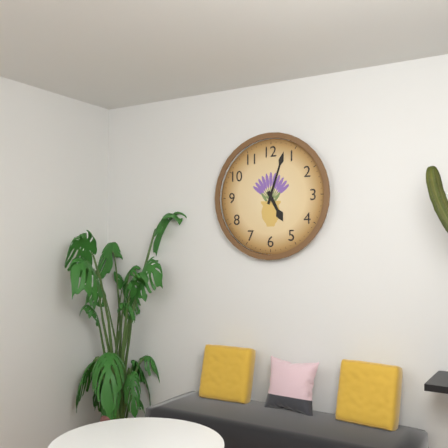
5:03
